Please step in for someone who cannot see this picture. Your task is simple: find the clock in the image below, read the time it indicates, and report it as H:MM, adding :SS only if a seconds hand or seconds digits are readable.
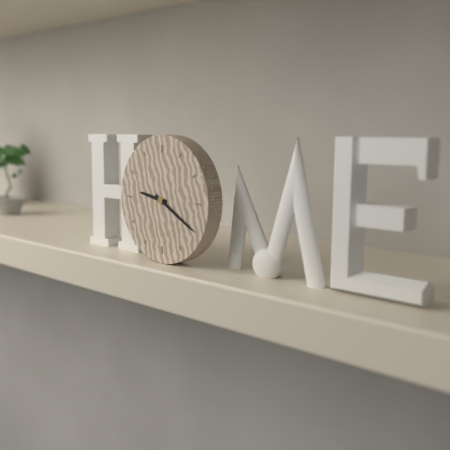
9:20
